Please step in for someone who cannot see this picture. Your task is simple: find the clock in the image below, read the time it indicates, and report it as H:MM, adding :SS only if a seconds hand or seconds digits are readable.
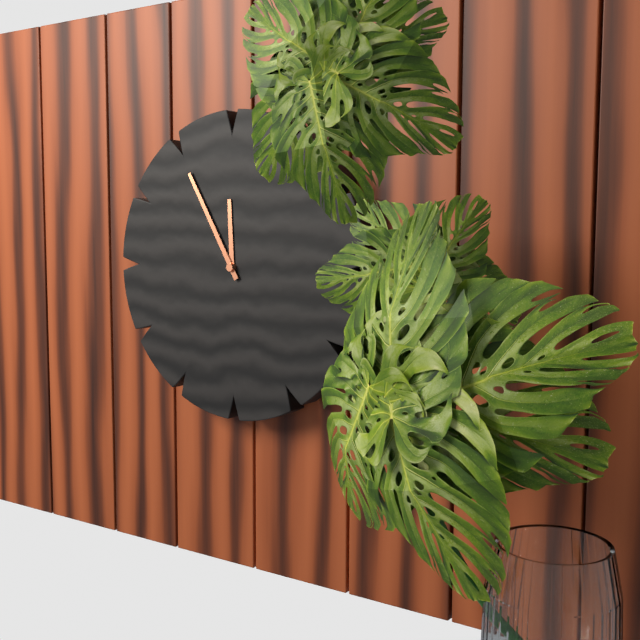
11:55
